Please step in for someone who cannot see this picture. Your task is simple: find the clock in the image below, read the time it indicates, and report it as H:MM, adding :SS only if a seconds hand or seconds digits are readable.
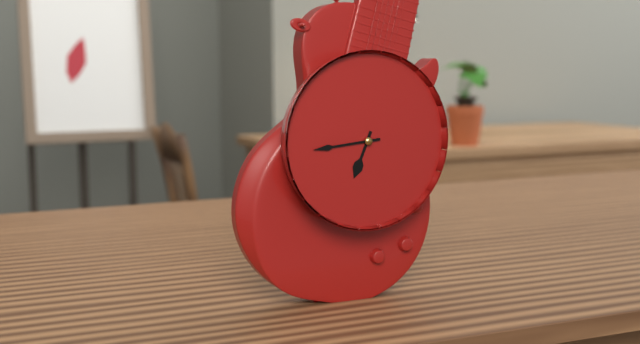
6:44
